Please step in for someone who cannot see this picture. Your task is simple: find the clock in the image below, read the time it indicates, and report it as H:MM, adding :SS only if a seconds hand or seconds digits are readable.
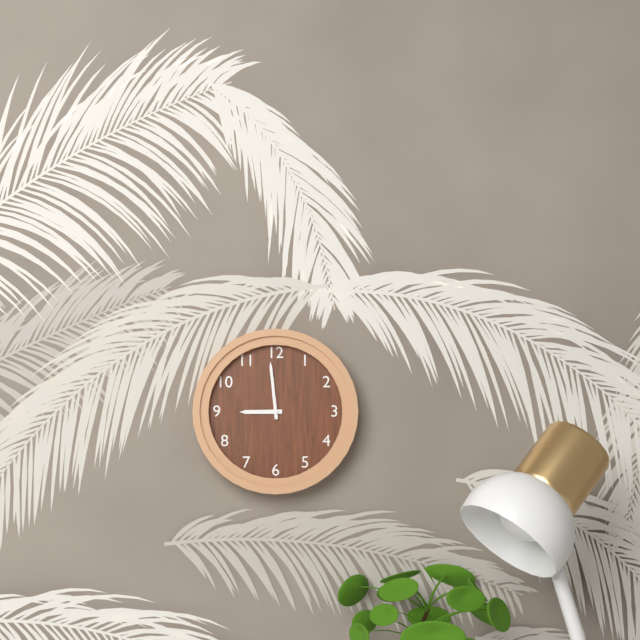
8:59
